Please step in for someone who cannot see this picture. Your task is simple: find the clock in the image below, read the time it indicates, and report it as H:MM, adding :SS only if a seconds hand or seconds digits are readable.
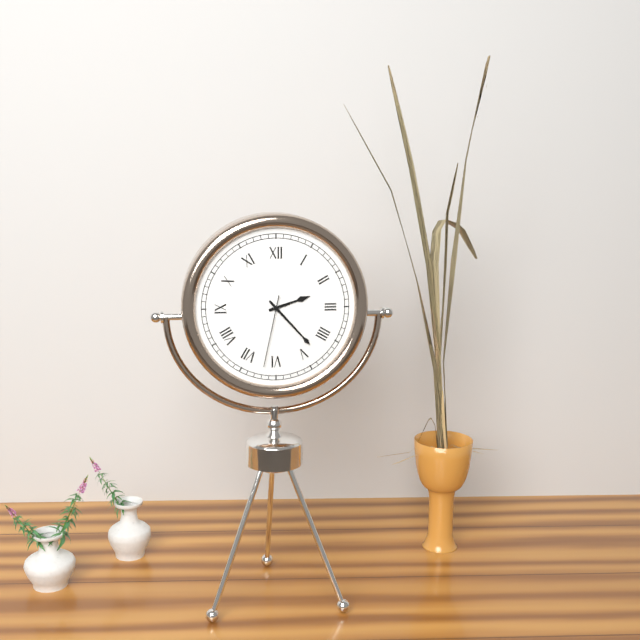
2:23:32
